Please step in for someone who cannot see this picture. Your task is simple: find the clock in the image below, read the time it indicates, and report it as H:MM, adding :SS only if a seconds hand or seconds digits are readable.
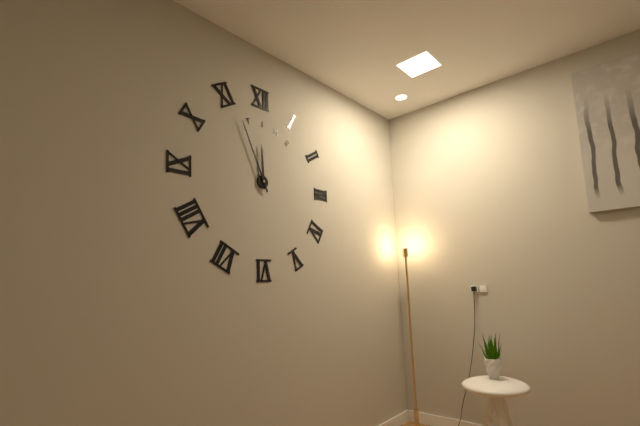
11:56
